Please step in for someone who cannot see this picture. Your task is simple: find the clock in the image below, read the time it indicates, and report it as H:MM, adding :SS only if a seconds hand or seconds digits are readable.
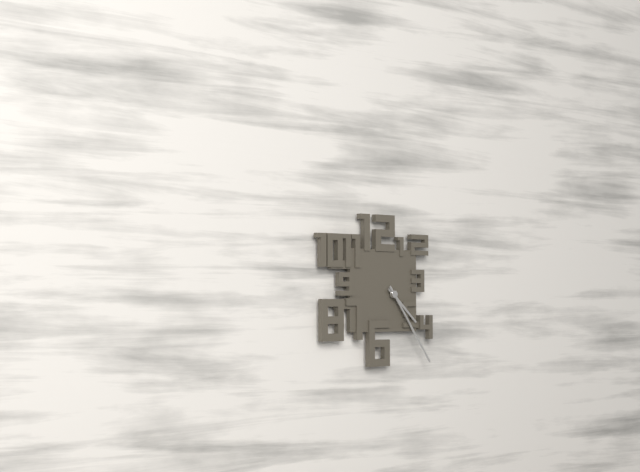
4:24
